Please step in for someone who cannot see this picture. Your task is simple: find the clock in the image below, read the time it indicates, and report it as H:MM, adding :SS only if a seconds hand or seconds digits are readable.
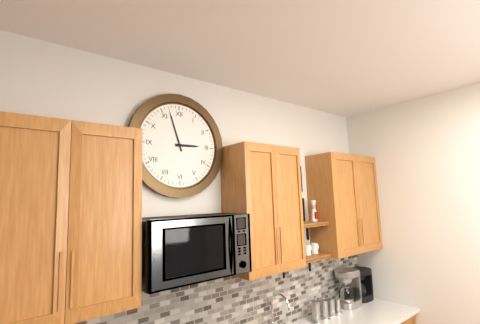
2:57
